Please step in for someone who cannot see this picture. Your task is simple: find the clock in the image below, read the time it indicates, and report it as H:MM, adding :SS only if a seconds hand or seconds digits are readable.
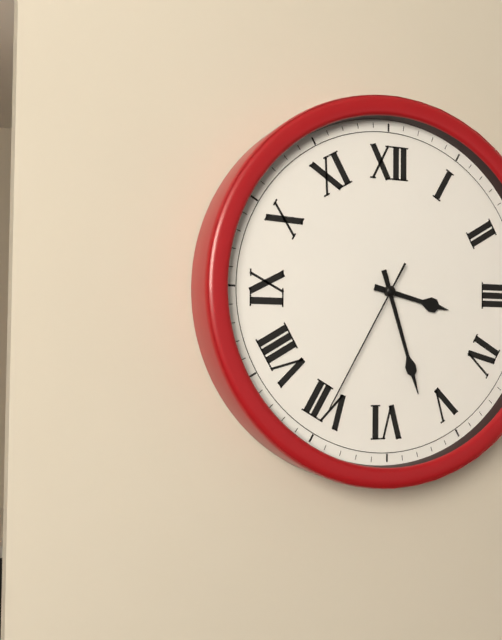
3:27:35
